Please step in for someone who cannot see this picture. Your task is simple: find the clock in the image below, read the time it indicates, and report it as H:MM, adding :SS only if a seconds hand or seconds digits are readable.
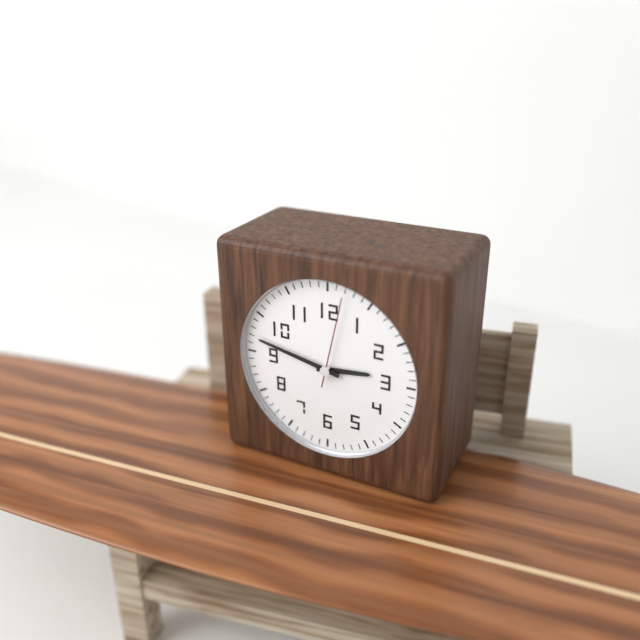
2:47:02
